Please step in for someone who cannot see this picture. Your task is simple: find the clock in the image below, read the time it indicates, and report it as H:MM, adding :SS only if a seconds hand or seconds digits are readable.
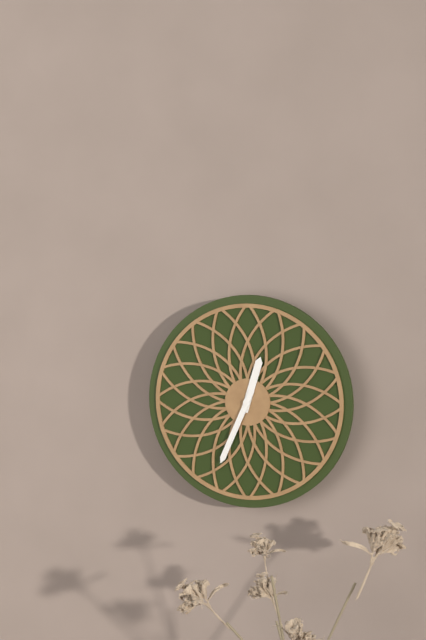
12:34
